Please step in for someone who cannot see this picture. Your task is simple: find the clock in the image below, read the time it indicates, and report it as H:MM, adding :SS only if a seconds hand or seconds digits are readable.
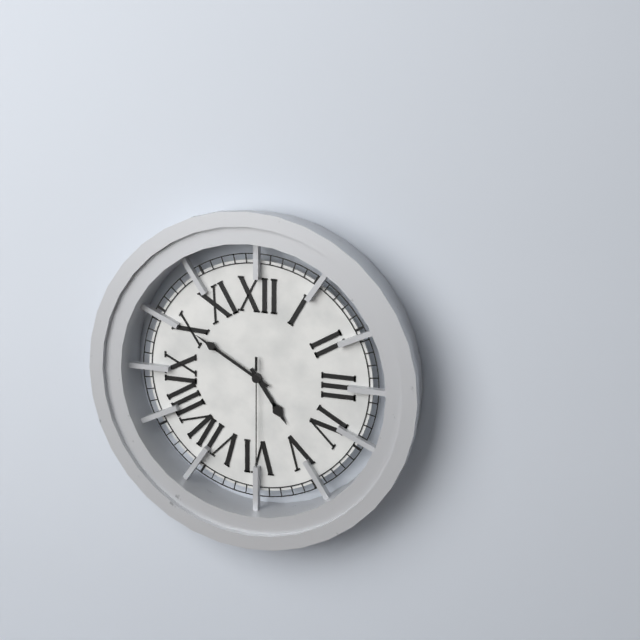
4:50:30
